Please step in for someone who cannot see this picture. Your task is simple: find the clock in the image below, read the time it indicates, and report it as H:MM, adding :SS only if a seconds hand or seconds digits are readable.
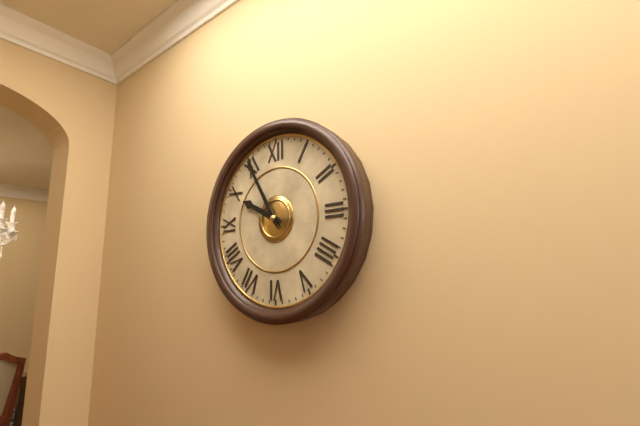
9:55
